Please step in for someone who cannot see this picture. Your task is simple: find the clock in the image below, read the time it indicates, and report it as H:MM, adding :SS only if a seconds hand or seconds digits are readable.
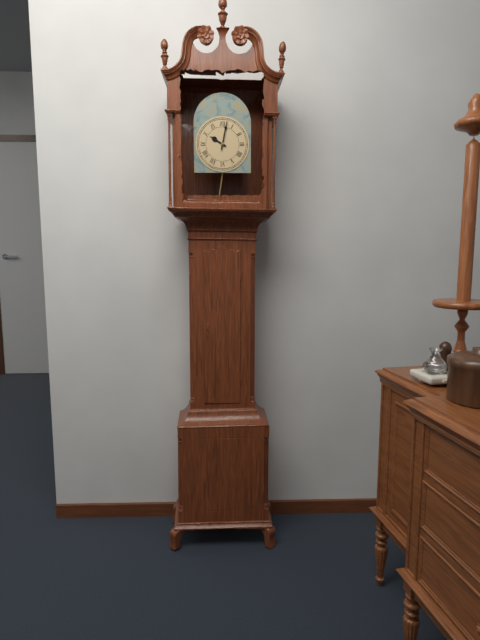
10:02
